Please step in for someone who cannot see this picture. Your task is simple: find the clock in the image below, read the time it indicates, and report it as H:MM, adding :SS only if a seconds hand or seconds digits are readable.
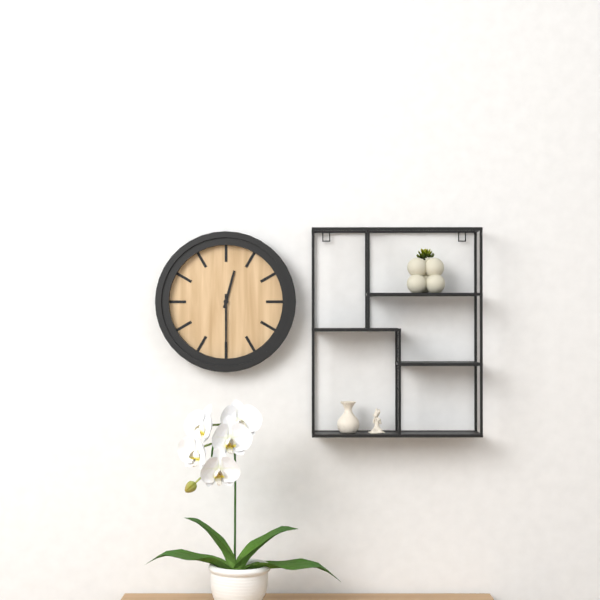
12:30
